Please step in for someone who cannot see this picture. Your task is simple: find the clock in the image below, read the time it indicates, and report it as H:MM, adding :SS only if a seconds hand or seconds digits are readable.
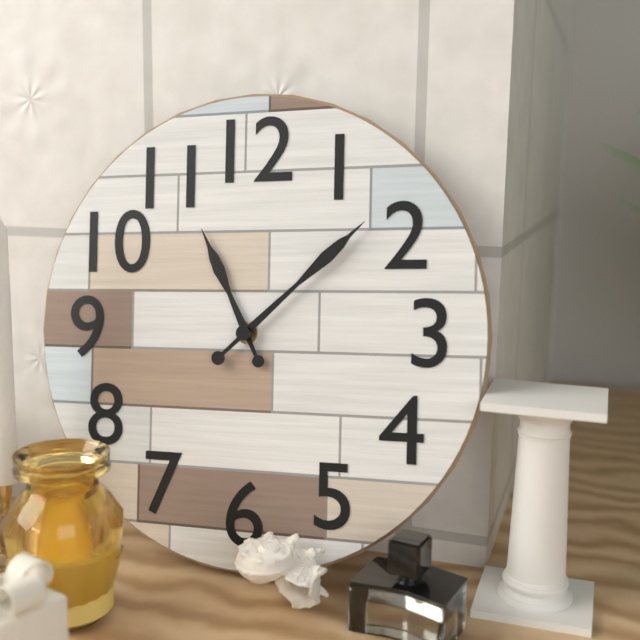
11:08
